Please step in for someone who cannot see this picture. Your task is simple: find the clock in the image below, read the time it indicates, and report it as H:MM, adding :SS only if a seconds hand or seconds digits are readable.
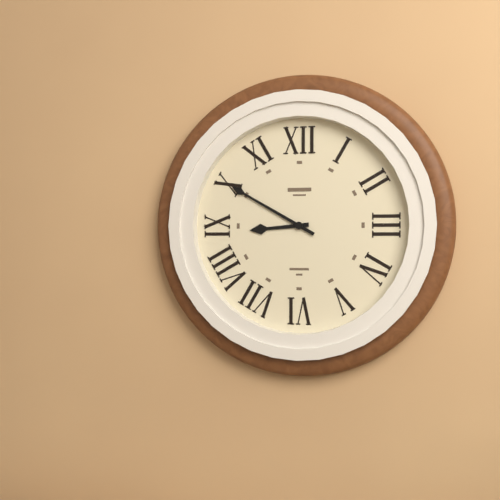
8:50
